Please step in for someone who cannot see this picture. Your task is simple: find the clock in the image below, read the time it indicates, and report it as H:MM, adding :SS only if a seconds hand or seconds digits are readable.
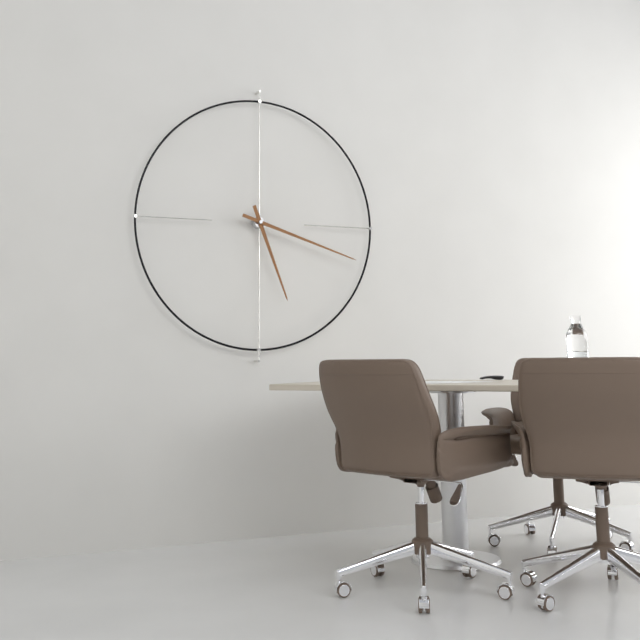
5:18
